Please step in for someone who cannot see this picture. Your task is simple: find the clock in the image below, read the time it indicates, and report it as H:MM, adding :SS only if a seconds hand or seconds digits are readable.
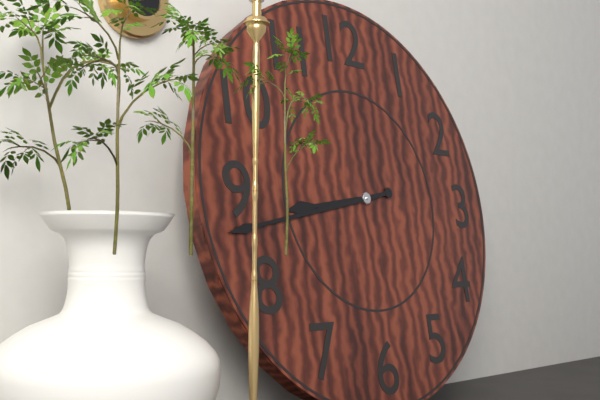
8:43
